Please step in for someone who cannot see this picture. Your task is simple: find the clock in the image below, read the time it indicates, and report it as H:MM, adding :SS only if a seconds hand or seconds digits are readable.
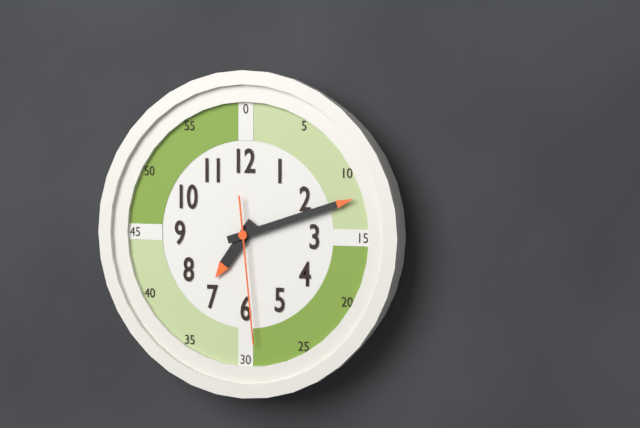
7:12:29
